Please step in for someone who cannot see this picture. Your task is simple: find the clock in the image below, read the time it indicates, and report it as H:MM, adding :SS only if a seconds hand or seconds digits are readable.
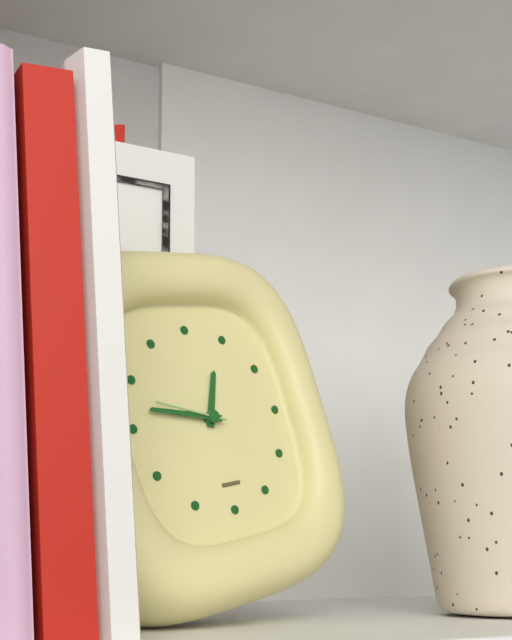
12:47:48
